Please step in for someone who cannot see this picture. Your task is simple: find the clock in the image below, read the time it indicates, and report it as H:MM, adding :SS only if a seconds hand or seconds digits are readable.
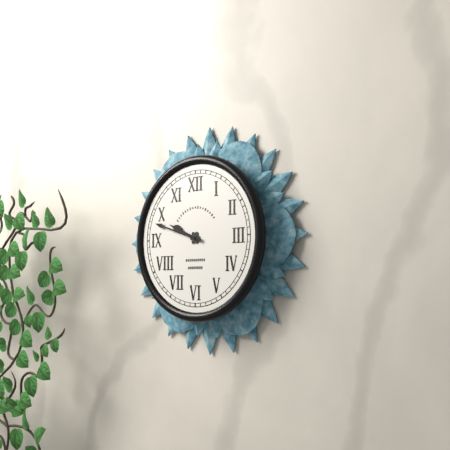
9:48
